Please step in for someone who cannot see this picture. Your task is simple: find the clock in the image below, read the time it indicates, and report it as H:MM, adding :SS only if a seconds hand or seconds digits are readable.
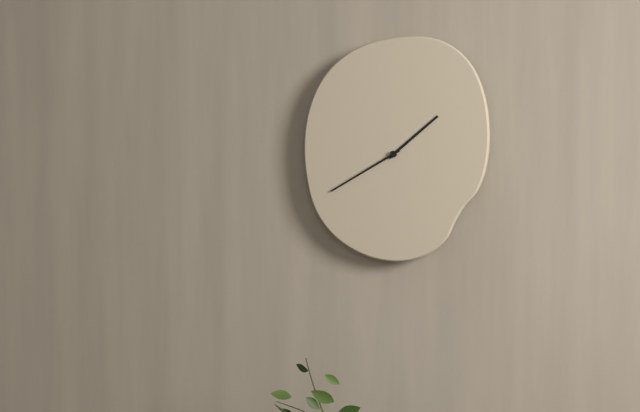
1:40
